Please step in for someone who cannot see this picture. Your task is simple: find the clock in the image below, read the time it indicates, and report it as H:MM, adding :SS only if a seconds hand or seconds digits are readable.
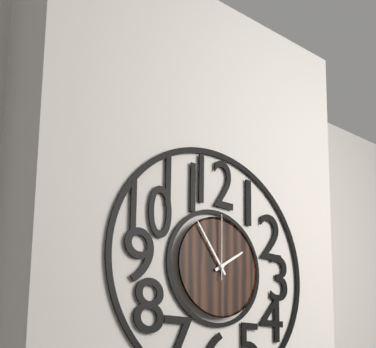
1:54:00
